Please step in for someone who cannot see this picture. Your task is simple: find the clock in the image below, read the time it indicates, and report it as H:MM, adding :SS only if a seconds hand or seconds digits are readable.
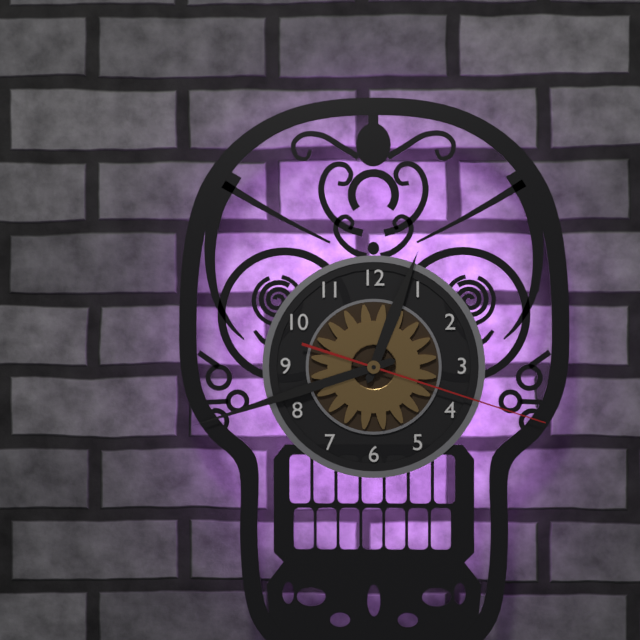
12:42:18
